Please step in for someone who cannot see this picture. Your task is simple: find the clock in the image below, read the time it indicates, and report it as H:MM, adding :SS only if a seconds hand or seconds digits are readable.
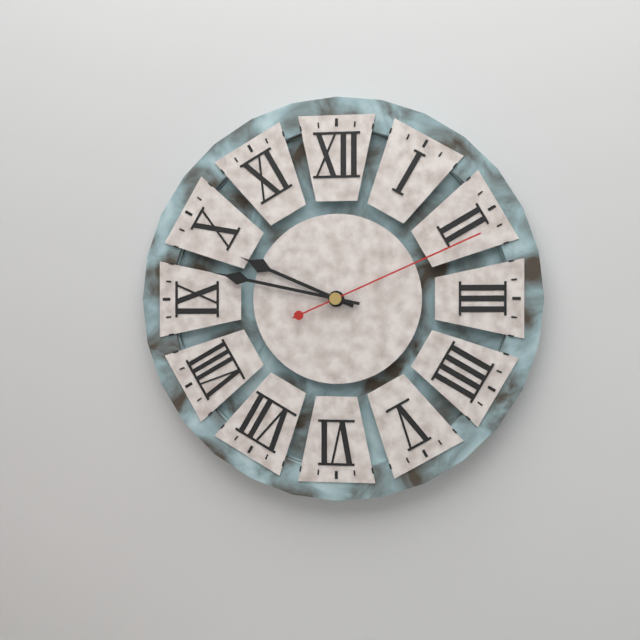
9:47:11
